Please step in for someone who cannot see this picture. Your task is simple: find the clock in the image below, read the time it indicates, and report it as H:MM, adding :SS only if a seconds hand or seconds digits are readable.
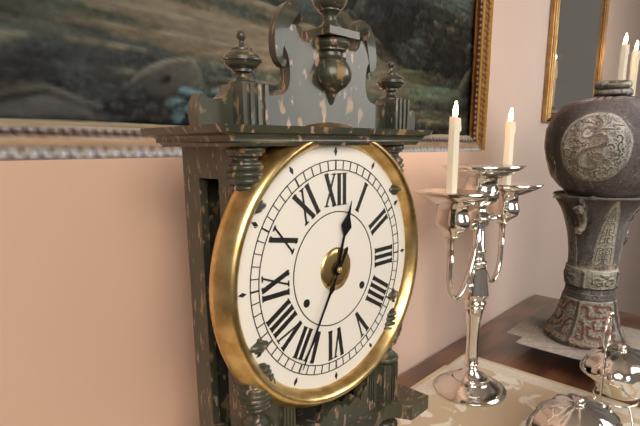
12:35
